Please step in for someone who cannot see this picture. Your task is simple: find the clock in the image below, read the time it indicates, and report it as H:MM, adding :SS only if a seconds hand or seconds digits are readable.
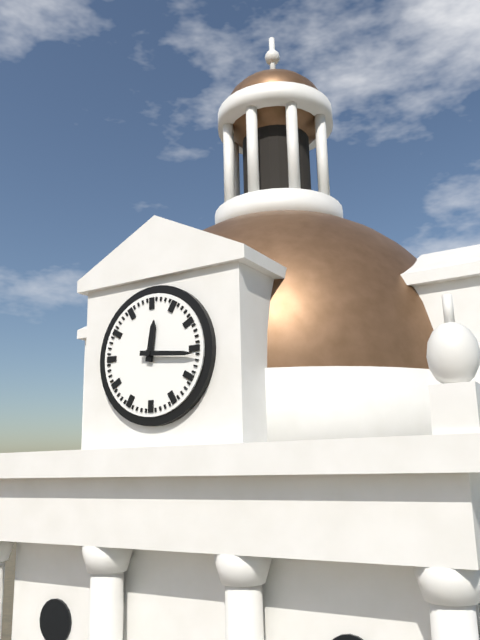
12:16
